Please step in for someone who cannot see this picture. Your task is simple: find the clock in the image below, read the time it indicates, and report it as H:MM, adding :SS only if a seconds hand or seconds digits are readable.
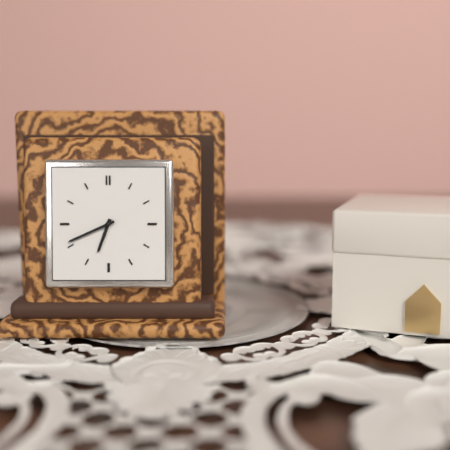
6:41
